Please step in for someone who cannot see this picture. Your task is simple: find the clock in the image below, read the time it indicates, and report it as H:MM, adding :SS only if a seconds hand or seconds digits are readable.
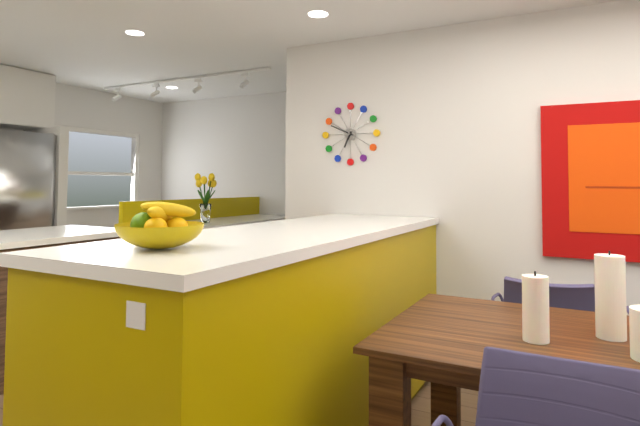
6:49
